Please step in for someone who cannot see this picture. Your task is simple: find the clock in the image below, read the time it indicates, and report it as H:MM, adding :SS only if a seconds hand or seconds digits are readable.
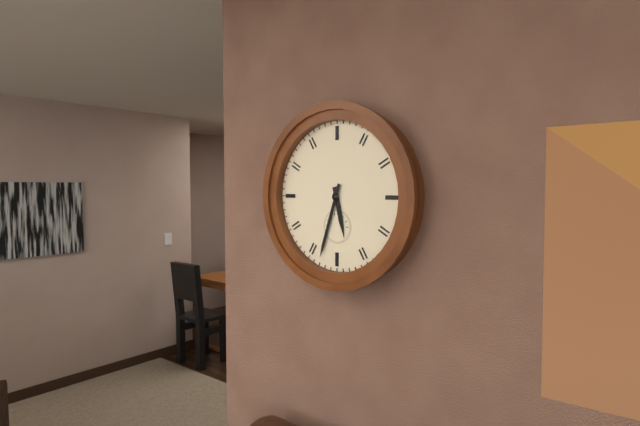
5:33
